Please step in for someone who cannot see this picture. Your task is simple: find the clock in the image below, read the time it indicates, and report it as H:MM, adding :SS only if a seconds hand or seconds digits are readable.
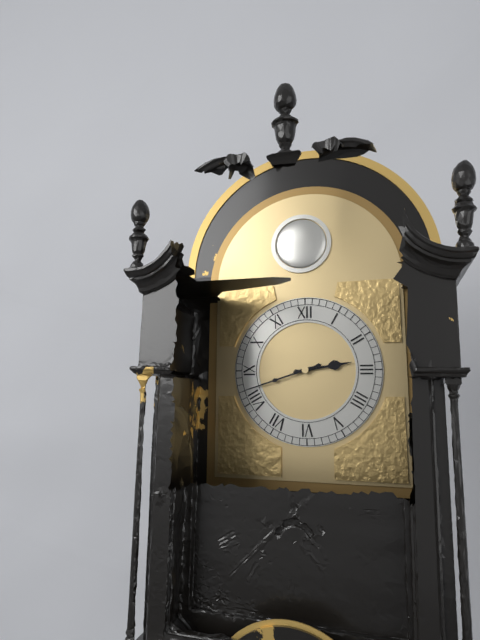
2:42
